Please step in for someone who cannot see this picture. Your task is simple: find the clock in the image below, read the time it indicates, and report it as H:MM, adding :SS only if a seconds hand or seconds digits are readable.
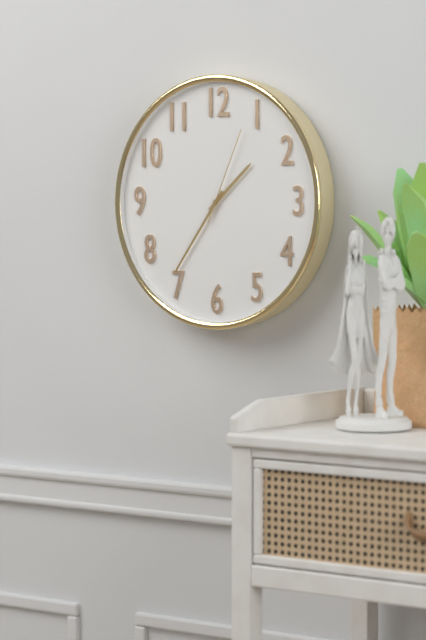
1:36:04
